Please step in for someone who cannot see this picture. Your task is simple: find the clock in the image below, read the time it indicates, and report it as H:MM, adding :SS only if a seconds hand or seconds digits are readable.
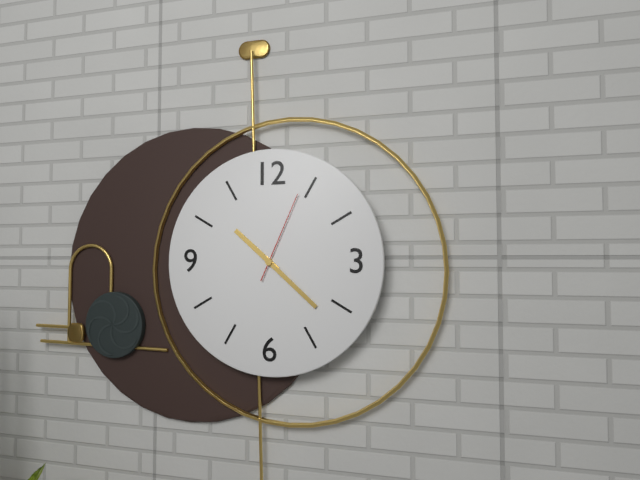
10:22:04
